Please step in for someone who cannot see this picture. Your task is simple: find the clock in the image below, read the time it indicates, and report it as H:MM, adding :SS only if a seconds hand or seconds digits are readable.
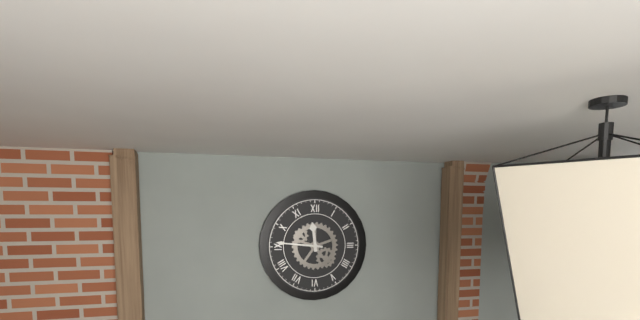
11:46
